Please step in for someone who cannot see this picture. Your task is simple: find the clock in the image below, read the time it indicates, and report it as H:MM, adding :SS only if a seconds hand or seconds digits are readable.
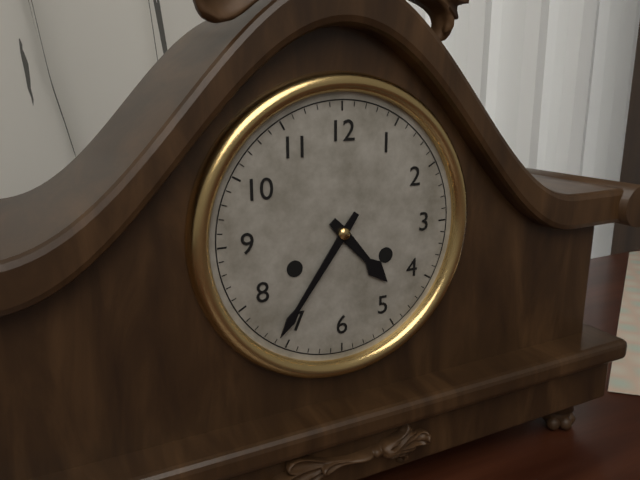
4:36
